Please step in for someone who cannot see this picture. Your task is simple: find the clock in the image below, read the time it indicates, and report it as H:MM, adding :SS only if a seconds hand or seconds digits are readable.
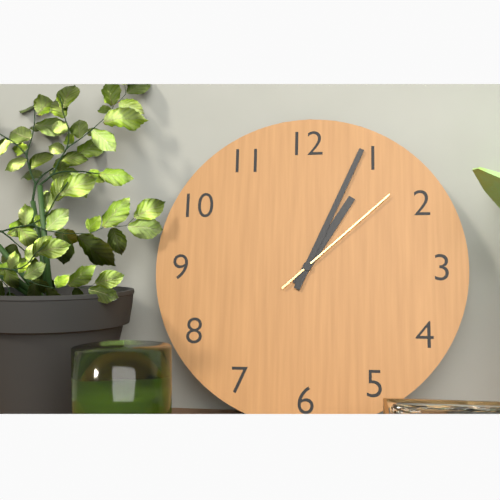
1:04:08
